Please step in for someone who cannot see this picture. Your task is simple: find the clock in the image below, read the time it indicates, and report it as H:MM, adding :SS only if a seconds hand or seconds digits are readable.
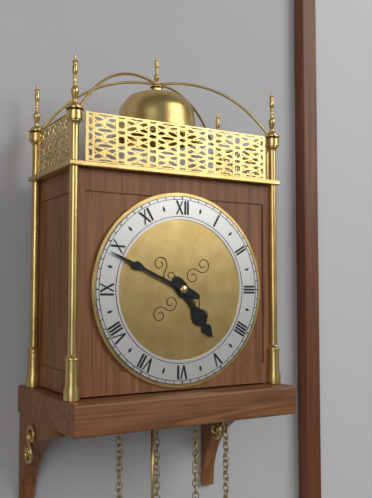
4:49
